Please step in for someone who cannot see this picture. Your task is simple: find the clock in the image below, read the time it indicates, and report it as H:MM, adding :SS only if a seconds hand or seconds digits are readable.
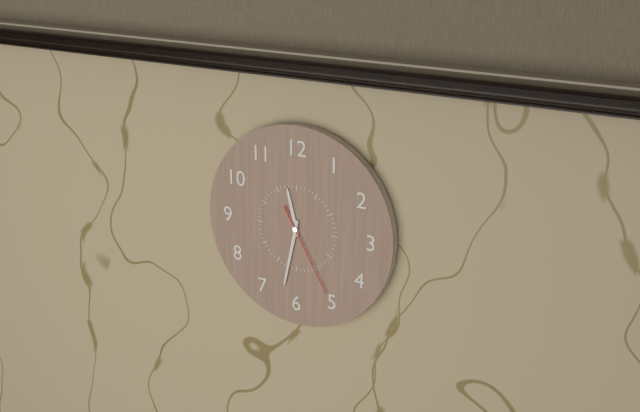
11:32:25
